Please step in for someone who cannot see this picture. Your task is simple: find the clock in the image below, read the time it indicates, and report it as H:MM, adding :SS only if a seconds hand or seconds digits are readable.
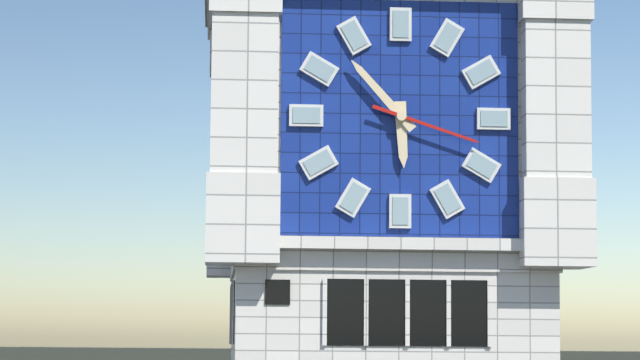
5:53:18
